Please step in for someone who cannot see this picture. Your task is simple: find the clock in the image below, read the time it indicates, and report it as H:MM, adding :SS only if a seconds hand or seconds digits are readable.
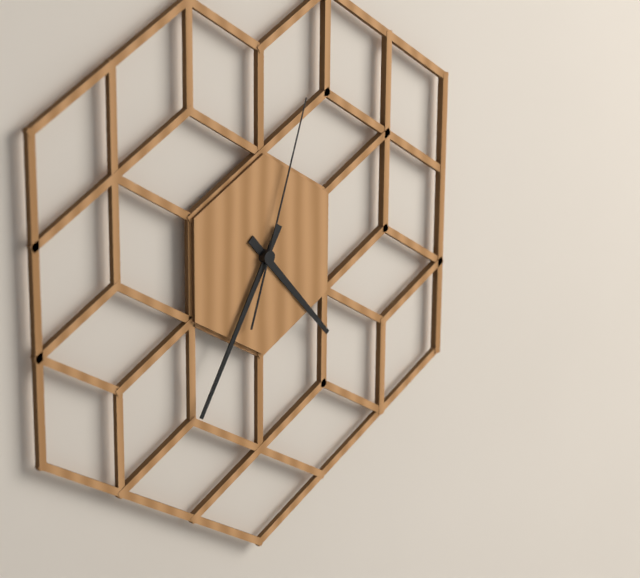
4:35:03
